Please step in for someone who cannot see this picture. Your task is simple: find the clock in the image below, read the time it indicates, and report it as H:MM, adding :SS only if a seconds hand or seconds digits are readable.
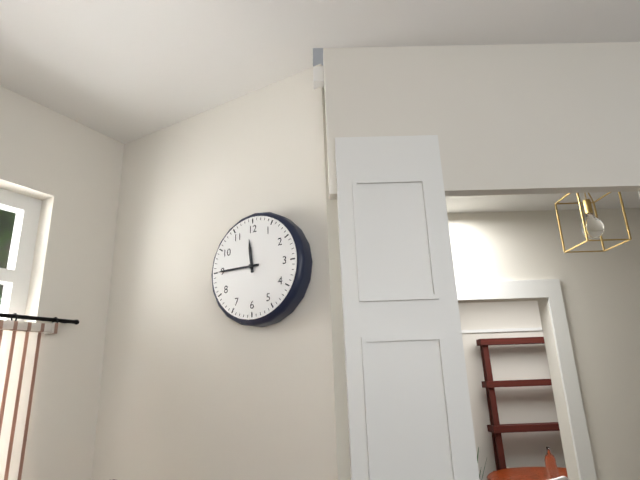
11:45
